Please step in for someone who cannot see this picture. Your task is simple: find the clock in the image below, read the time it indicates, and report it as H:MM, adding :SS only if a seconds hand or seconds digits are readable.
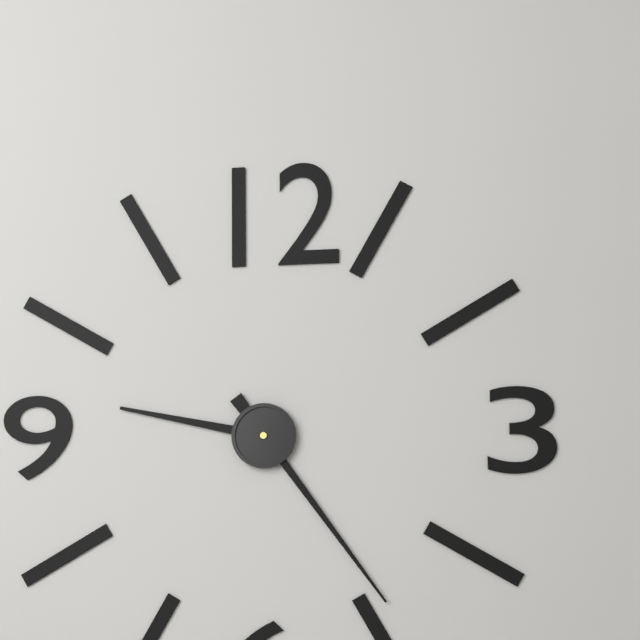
9:24
